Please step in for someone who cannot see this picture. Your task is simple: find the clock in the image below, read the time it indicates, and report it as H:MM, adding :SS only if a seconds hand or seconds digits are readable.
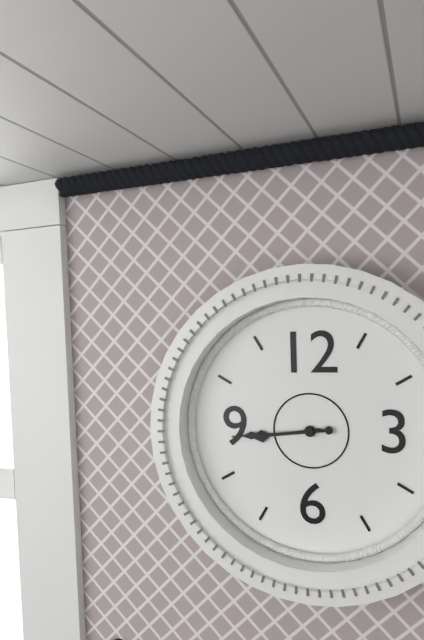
8:44
